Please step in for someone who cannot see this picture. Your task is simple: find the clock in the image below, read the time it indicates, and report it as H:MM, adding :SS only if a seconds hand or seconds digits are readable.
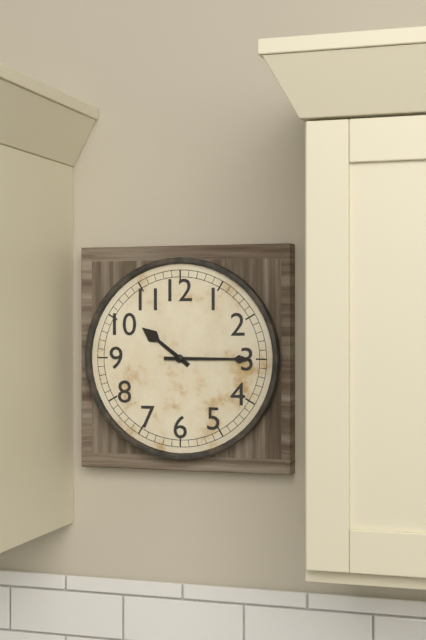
10:15
